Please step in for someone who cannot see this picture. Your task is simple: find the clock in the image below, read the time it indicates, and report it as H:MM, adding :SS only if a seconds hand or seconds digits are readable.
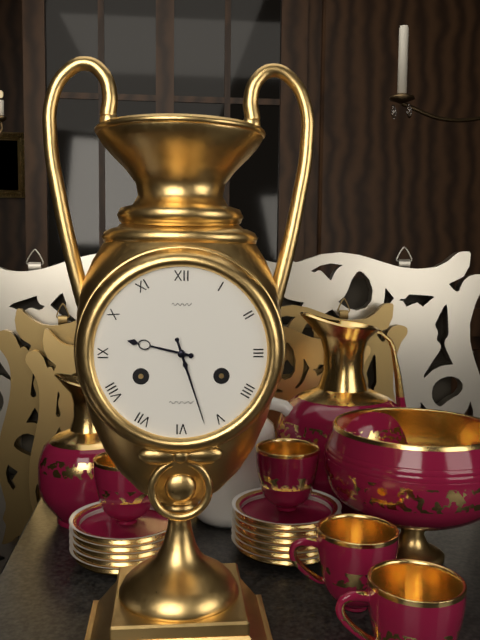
9:27
